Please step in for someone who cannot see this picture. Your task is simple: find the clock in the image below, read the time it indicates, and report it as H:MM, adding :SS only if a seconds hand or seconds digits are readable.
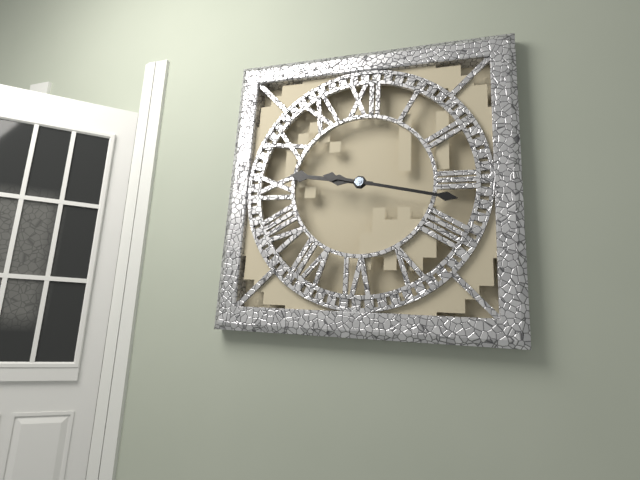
9:17
